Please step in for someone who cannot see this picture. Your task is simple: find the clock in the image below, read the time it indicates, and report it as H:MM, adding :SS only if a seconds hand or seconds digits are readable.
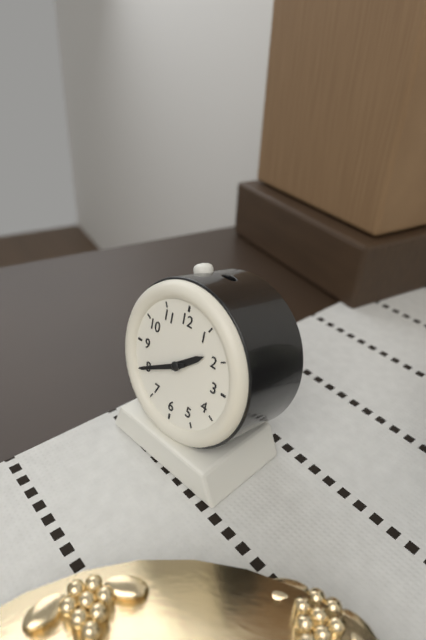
1:40
